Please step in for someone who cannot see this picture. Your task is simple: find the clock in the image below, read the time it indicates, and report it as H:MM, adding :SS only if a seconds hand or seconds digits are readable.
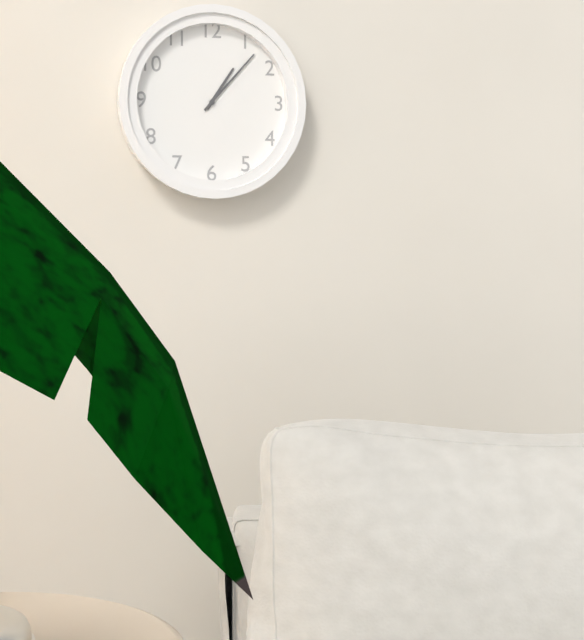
1:07
